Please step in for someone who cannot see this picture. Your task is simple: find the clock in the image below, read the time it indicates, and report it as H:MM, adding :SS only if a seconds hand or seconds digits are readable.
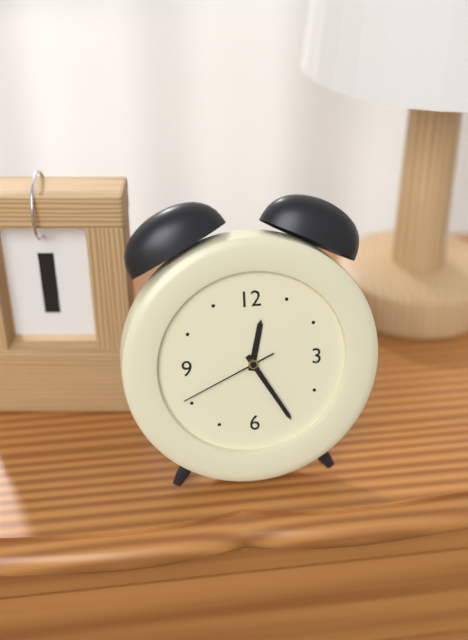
12:25:41
